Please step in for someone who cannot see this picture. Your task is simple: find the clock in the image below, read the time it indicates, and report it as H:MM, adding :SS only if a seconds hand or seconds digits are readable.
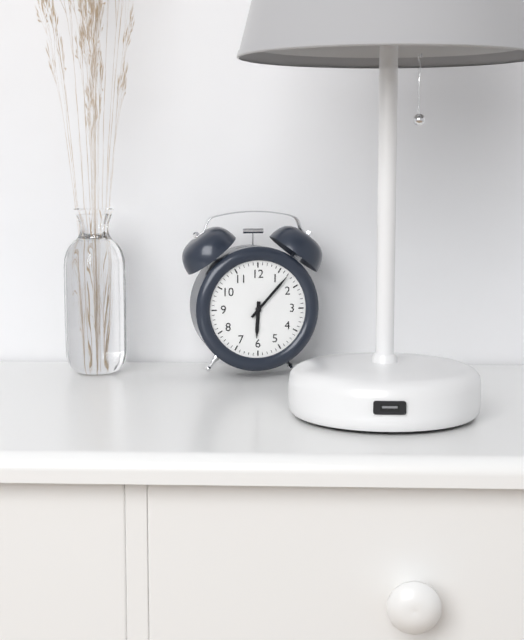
6:07
